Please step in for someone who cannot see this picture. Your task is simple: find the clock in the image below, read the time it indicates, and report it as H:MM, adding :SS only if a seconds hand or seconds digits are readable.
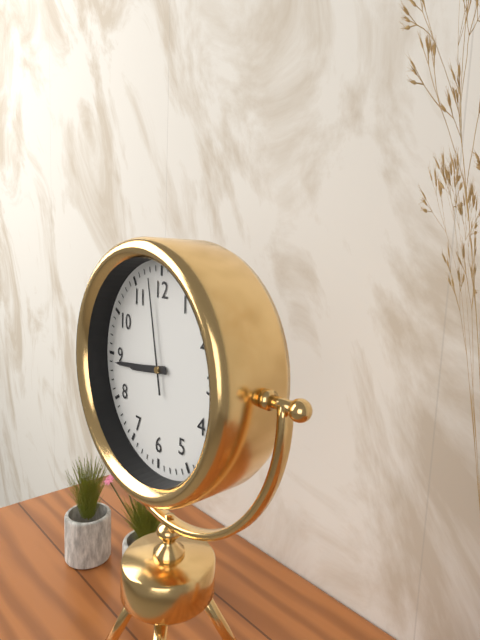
8:44:58
